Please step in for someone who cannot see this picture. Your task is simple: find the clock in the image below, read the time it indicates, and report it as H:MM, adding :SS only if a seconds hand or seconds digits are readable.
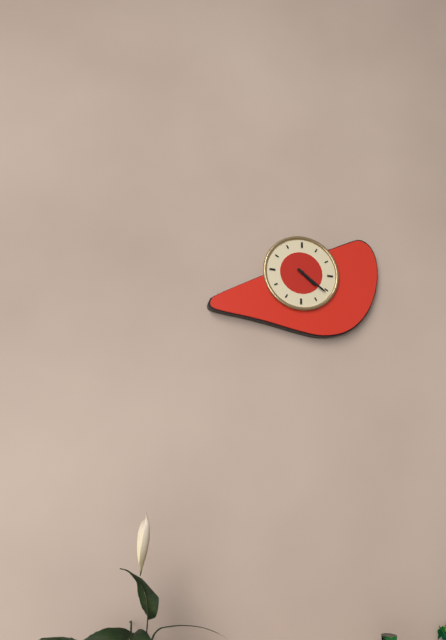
4:21
